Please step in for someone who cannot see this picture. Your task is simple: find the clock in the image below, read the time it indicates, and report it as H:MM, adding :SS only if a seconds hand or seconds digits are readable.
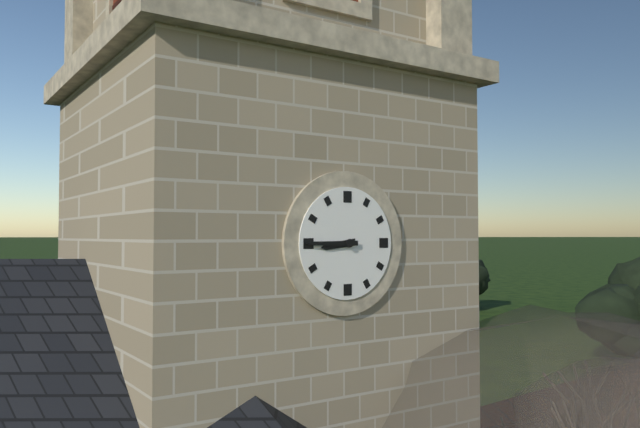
8:45
